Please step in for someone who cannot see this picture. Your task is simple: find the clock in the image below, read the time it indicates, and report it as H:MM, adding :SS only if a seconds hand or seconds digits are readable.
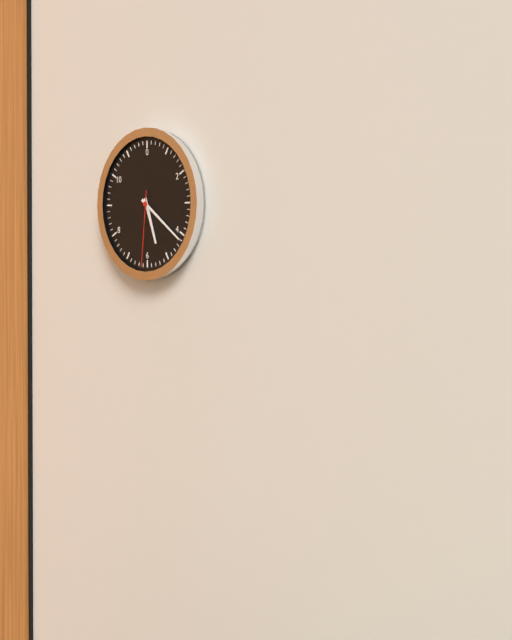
5:21:31
